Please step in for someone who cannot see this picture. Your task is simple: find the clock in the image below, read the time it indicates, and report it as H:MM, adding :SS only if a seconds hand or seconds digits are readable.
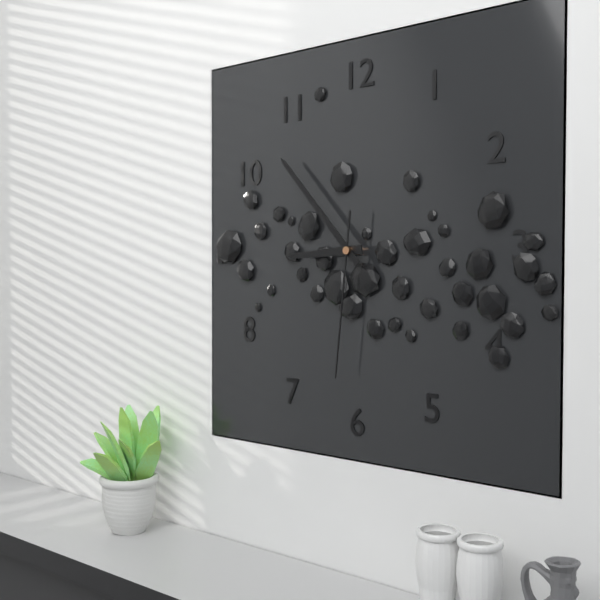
8:53:31
